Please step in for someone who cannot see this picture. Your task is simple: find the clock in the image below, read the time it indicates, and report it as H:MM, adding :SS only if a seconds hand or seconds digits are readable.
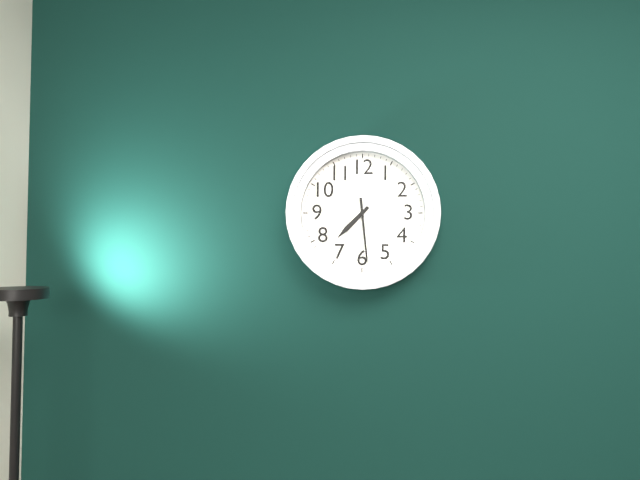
7:29
